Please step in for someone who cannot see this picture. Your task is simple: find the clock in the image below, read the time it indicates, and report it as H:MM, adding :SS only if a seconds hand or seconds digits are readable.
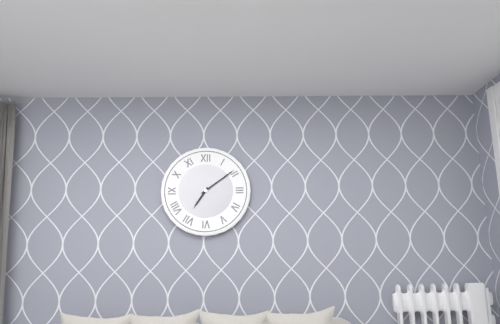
7:09
